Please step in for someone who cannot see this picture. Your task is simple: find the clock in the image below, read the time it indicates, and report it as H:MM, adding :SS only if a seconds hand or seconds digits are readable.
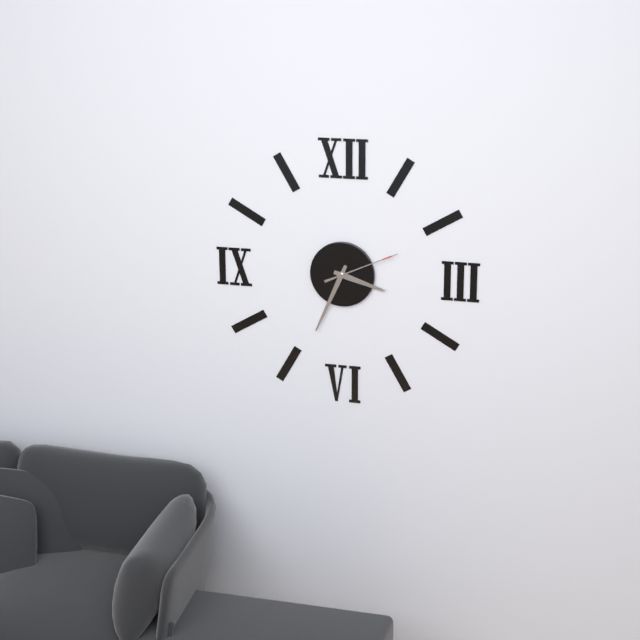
3:34:11
